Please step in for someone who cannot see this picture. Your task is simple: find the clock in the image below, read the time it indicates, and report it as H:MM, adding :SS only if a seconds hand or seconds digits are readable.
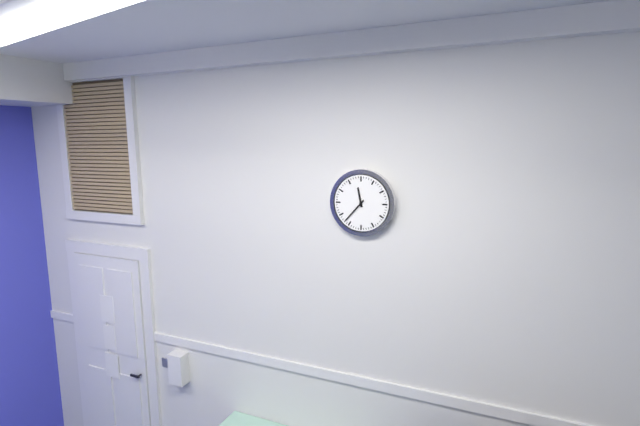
11:37
